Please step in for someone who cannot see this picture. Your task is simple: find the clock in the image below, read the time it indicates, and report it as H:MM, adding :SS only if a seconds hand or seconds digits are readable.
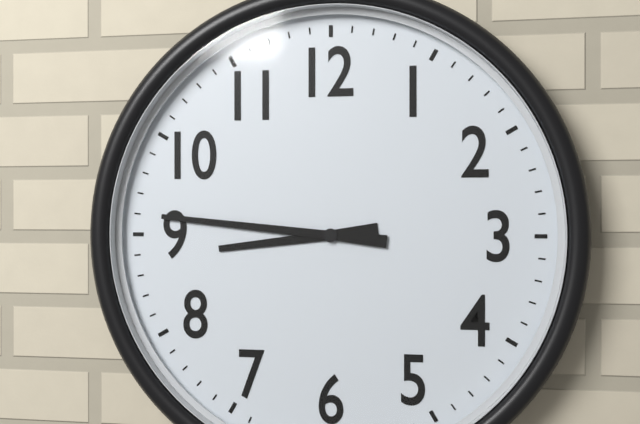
8:46
